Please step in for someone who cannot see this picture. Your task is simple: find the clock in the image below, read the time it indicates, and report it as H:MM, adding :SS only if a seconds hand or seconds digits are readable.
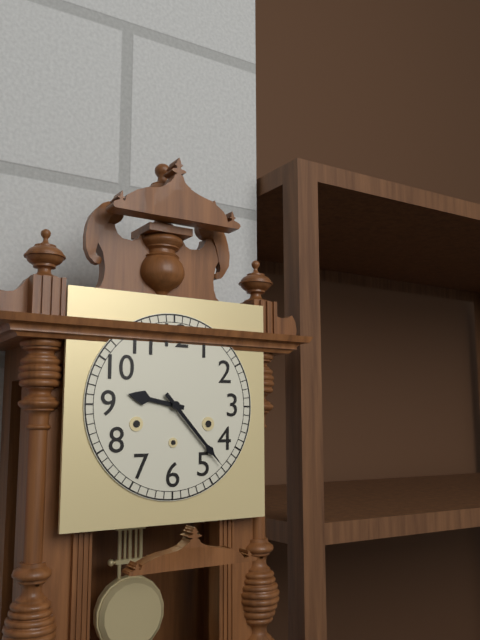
9:23
